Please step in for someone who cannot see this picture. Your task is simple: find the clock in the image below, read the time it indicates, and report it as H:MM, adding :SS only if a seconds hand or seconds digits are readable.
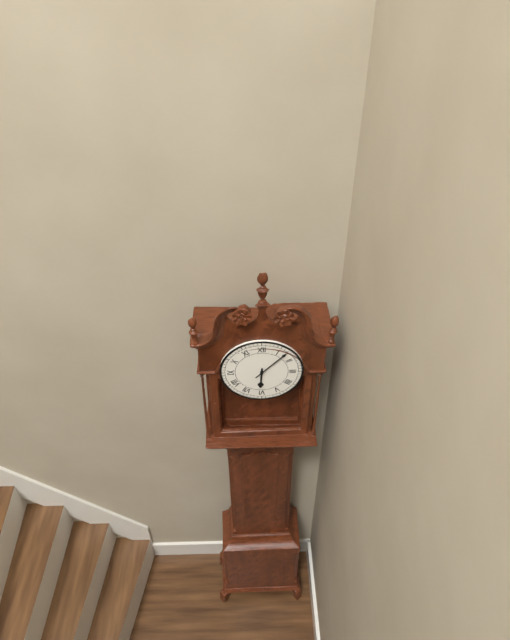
6:07
